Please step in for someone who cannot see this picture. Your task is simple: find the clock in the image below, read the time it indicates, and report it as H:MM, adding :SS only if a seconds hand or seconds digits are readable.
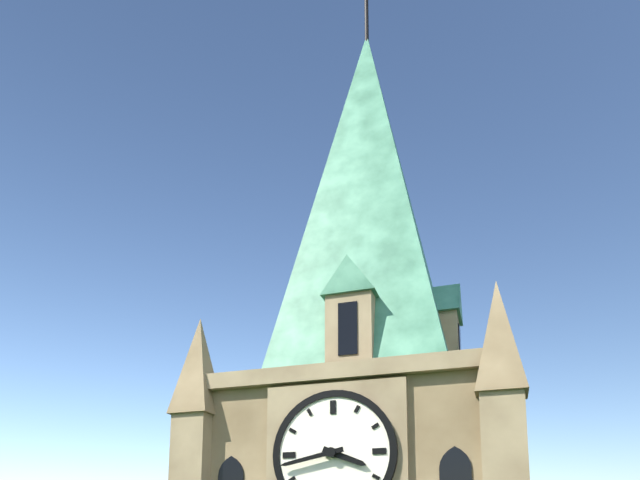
3:43
